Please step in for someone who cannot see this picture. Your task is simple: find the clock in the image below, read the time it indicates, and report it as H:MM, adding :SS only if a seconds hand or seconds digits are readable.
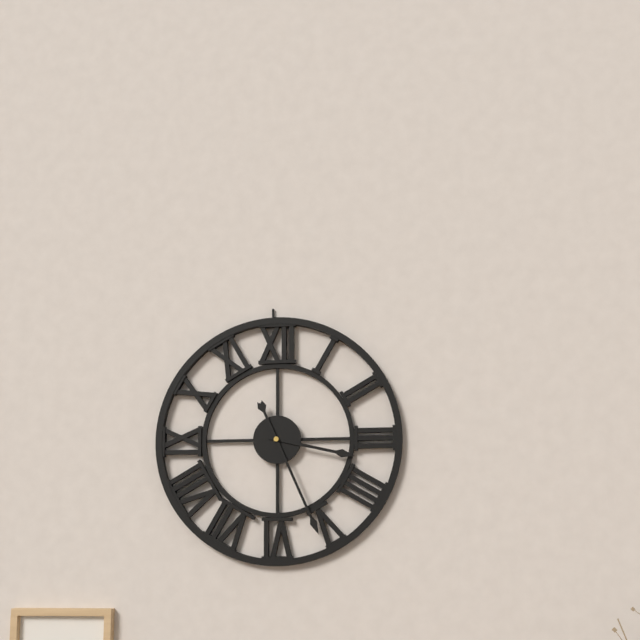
3:26
